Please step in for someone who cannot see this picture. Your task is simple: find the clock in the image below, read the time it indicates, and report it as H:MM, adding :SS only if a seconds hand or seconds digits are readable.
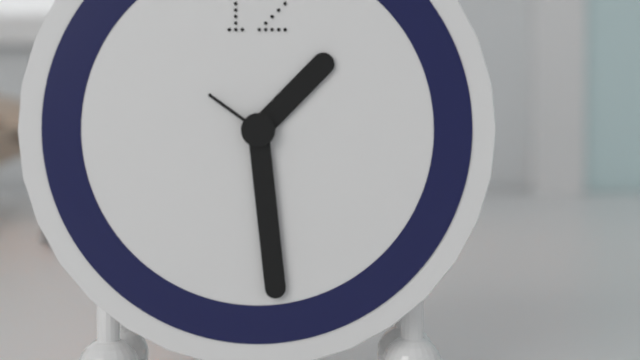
1:29:51
